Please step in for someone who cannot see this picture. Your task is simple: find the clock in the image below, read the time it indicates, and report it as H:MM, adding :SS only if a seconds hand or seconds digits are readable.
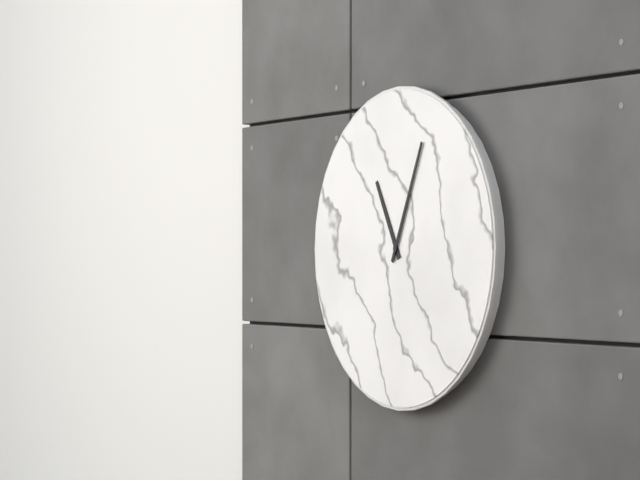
11:04
